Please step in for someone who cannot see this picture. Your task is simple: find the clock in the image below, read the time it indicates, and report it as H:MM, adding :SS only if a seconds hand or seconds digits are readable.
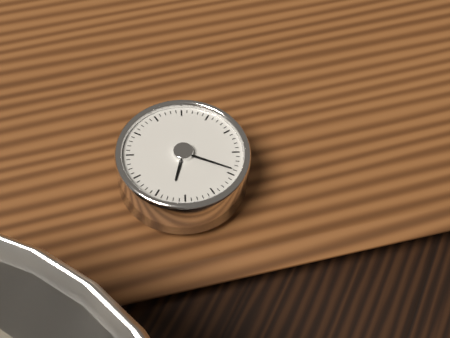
8:29
